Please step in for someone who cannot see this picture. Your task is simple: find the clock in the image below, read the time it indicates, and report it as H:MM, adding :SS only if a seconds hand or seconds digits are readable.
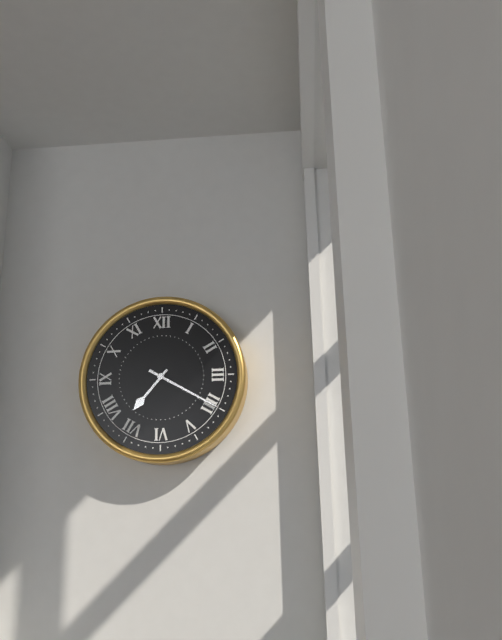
7:20
